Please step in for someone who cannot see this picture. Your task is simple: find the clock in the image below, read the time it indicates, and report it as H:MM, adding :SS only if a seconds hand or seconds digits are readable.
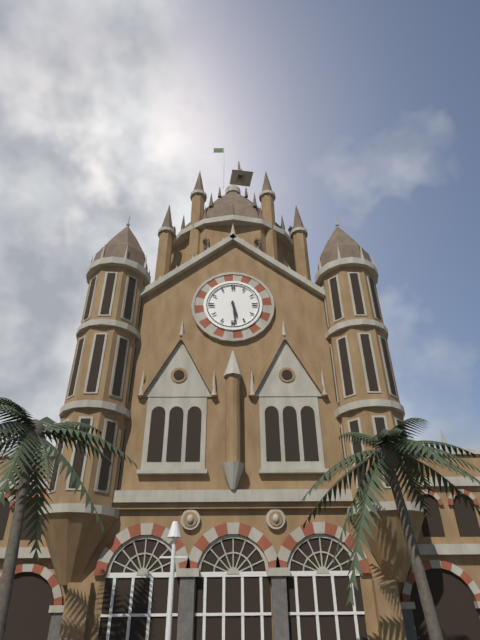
5:29
